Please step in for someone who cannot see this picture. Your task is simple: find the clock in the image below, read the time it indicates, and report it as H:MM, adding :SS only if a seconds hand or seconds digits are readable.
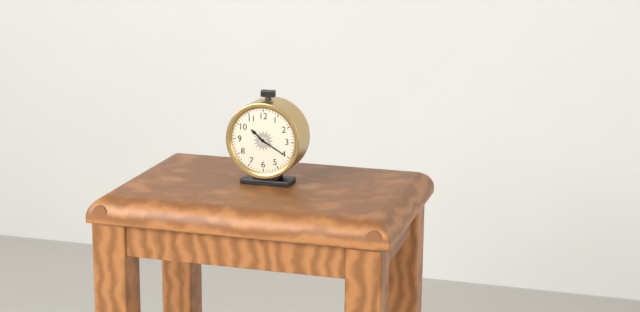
10:20
